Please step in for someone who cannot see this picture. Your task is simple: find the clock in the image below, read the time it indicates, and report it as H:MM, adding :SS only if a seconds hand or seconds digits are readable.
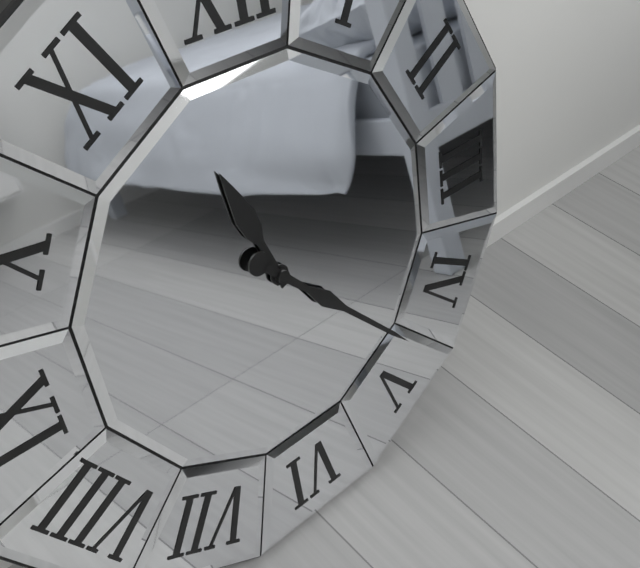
11:23
